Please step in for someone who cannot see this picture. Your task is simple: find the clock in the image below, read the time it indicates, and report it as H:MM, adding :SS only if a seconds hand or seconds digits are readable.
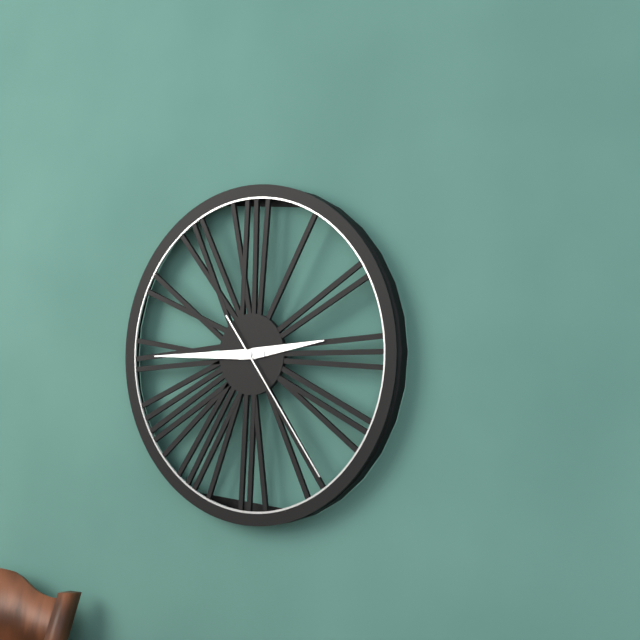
2:45:24
